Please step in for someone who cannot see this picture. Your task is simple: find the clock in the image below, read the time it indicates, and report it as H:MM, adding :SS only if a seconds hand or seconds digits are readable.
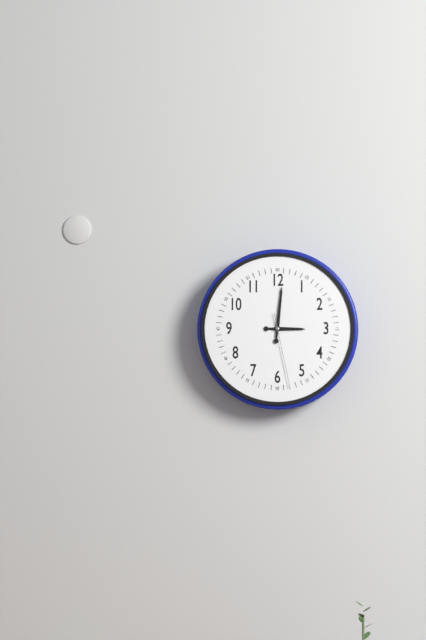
3:01:28
